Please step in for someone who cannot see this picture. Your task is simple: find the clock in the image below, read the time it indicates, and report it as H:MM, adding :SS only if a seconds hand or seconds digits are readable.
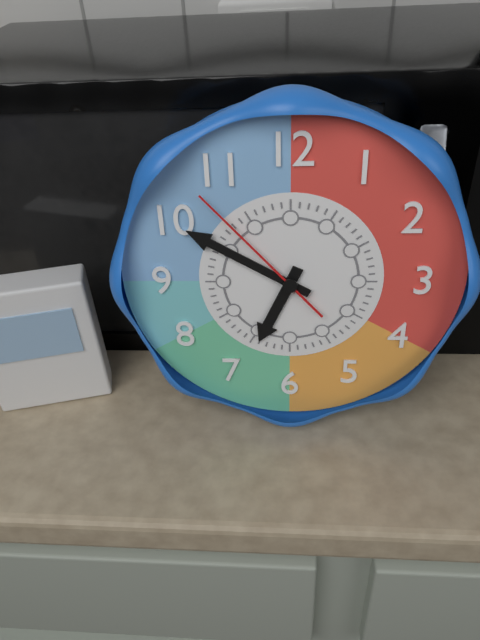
6:50:53
